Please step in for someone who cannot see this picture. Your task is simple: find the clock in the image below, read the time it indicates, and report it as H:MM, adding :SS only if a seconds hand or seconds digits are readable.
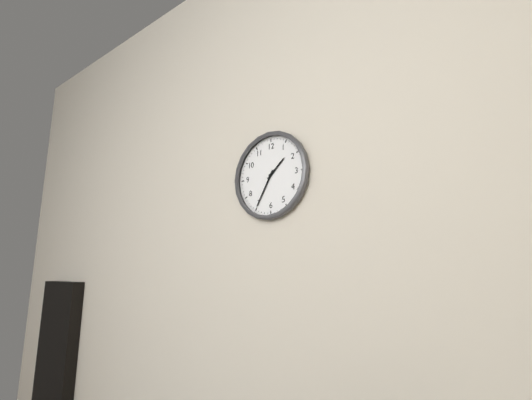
1:35
